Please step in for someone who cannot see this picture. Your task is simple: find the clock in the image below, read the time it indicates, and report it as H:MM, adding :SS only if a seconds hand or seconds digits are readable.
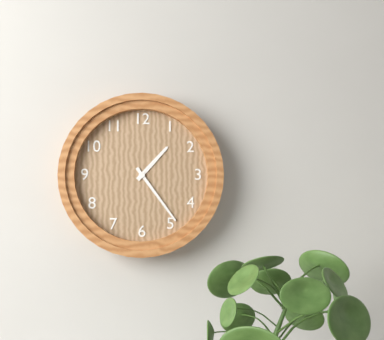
1:24
